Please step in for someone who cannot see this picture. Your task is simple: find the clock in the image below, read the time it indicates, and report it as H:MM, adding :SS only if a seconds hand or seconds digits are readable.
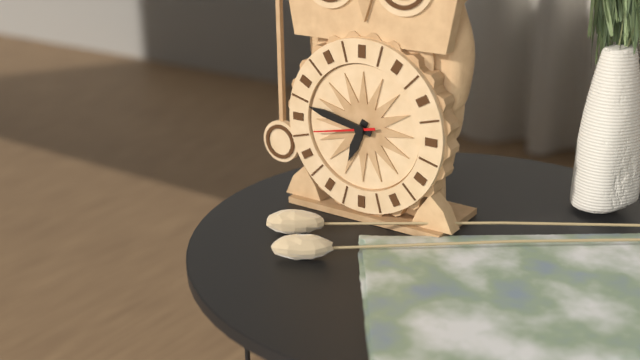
6:47:43
